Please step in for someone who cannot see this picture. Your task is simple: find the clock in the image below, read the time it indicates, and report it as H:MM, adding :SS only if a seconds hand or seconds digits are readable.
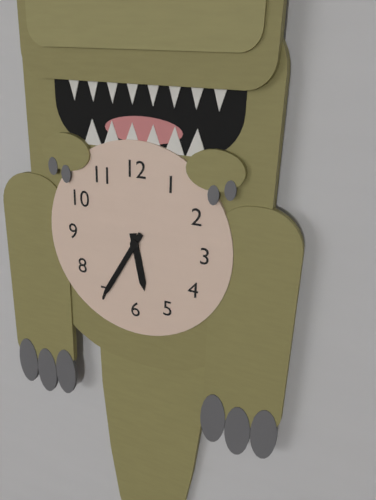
5:35
